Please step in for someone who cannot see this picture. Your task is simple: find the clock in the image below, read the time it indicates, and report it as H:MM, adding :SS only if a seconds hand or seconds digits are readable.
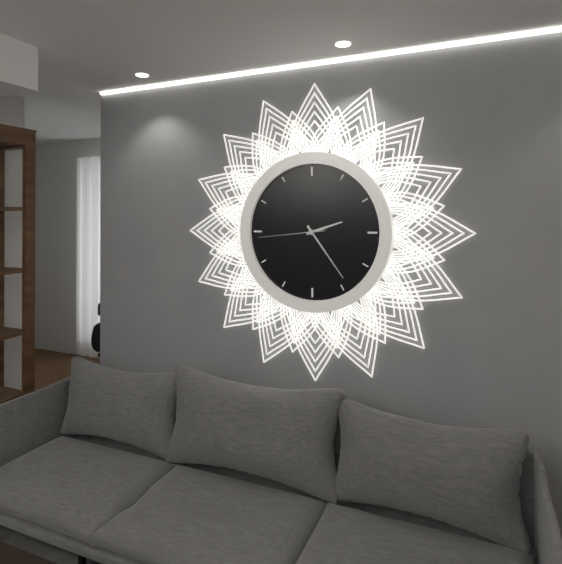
2:24:44
